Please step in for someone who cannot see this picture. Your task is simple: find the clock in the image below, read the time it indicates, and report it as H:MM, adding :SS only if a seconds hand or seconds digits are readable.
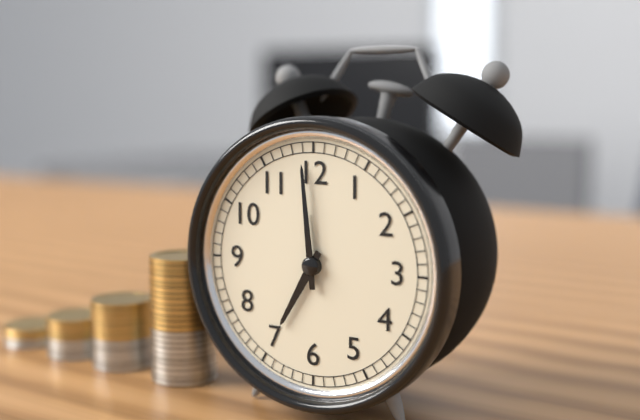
6:59
